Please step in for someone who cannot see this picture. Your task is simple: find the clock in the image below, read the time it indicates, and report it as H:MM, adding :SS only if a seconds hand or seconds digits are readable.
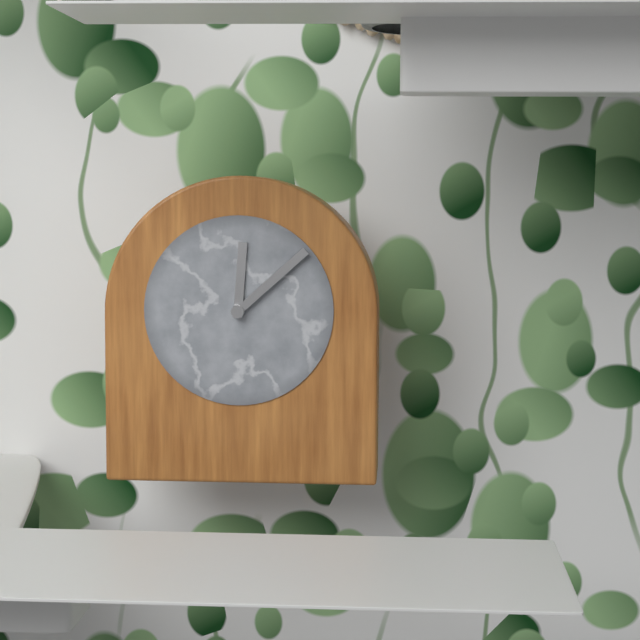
12:08
